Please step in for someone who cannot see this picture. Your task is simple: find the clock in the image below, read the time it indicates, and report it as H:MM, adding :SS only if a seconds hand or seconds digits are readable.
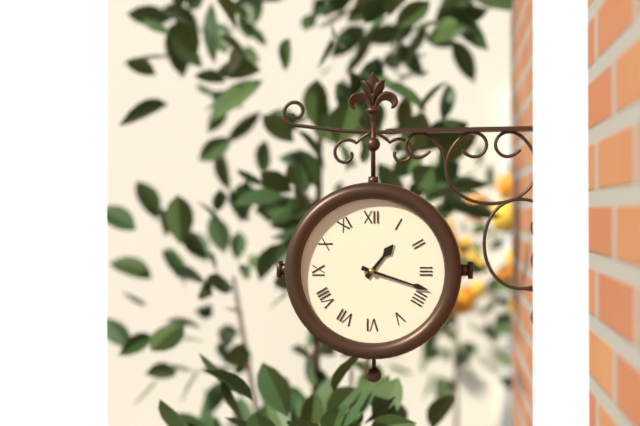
1:18
